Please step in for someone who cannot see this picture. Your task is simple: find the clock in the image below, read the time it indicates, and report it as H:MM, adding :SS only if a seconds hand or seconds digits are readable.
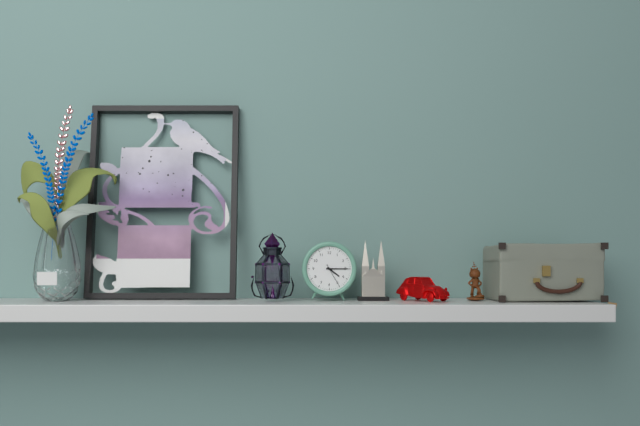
4:15
